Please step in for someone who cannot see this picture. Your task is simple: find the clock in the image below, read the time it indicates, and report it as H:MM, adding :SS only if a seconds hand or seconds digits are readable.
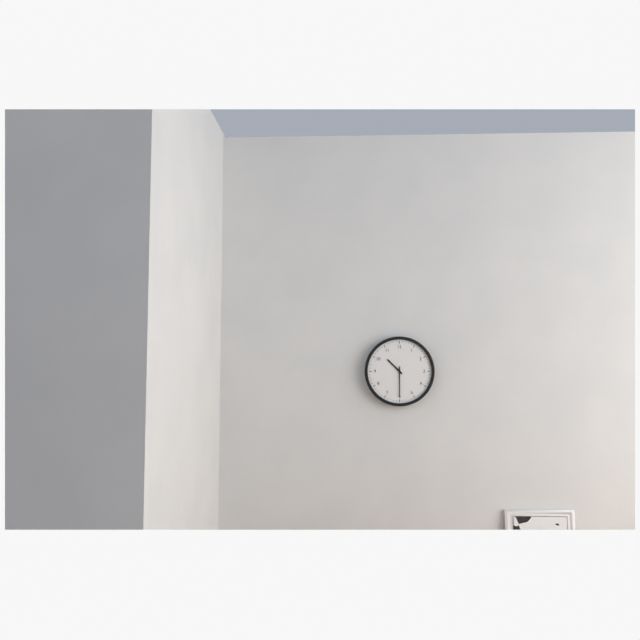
10:30
